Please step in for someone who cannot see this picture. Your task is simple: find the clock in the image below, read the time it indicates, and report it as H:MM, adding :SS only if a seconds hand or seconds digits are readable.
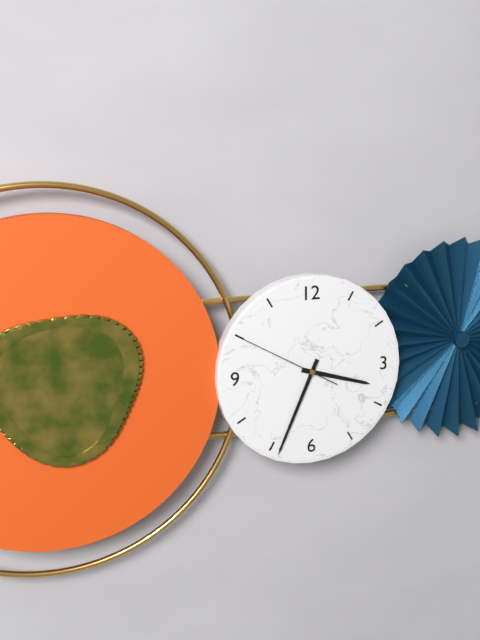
3:34:50
